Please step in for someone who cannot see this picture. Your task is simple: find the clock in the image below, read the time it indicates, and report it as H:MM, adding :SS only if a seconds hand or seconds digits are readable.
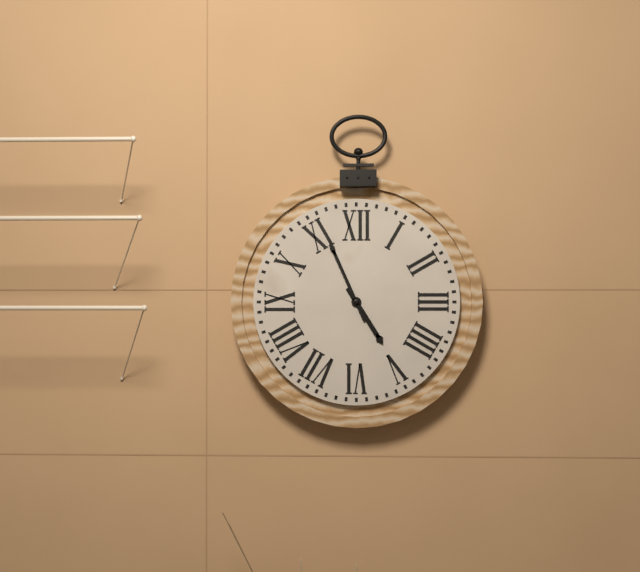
4:56
